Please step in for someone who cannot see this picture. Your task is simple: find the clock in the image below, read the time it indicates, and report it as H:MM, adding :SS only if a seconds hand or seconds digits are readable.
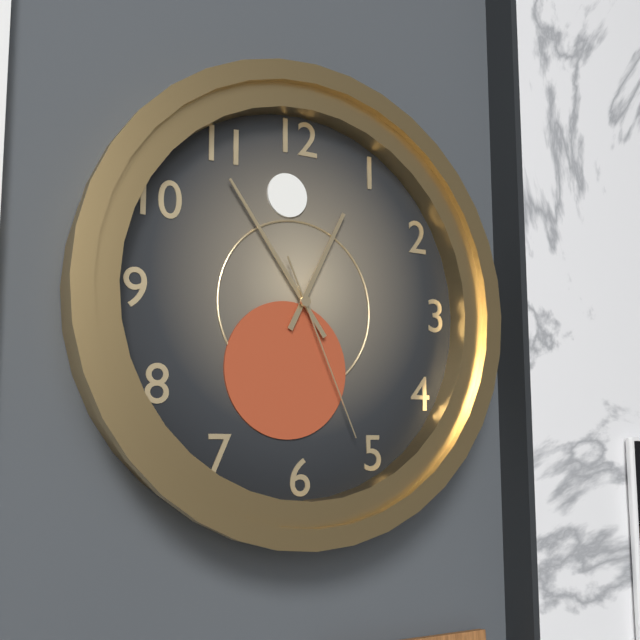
12:54:26
